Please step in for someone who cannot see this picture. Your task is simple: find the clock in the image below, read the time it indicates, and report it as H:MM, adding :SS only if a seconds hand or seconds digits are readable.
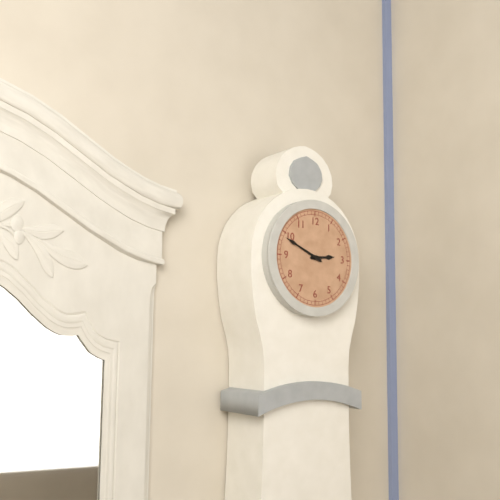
2:49
